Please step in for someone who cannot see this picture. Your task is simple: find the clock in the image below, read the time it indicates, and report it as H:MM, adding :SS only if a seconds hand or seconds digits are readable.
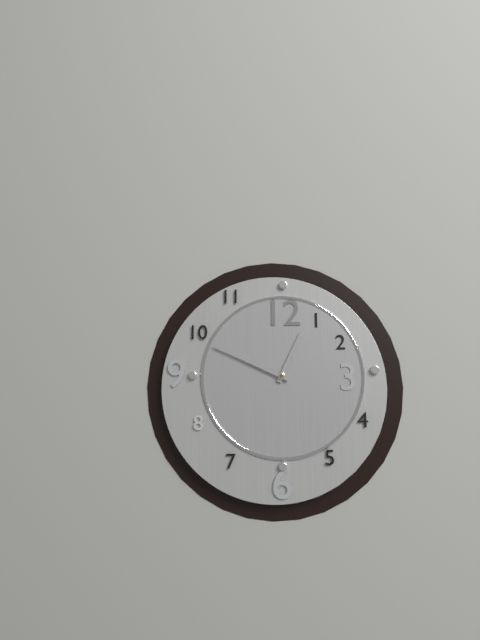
12:49
